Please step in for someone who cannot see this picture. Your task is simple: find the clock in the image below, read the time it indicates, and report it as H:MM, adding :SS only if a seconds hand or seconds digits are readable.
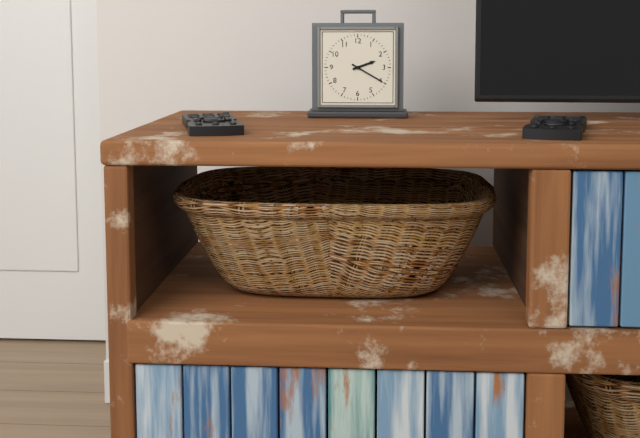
2:20
